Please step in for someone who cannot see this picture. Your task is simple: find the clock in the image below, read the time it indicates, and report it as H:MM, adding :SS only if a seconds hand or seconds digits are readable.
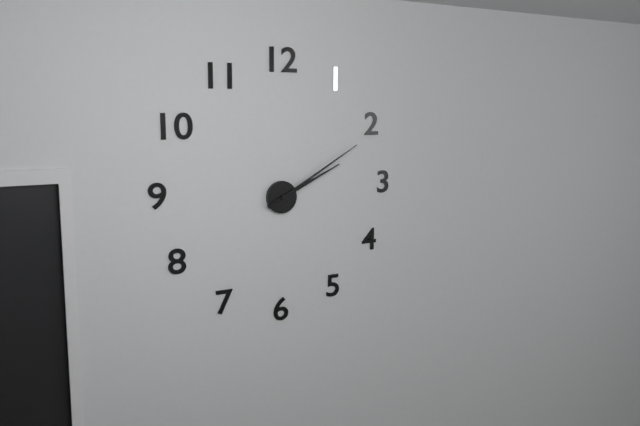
2:10
